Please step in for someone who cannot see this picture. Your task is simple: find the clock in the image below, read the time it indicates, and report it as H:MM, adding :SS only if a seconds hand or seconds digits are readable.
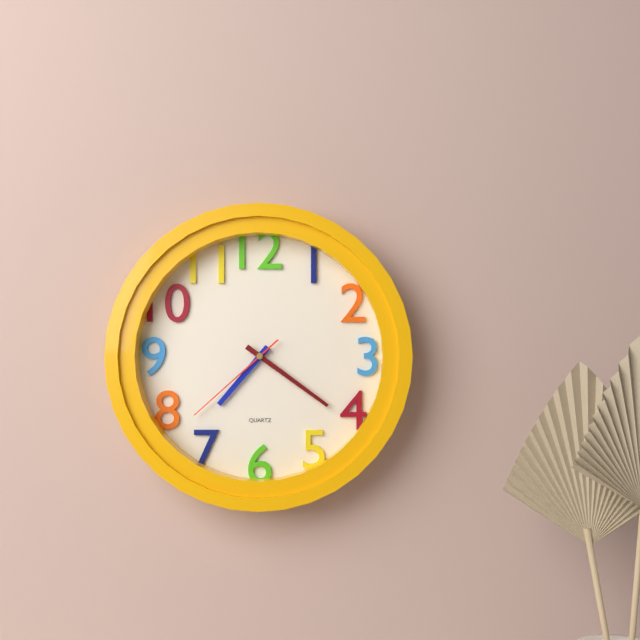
7:21:38
